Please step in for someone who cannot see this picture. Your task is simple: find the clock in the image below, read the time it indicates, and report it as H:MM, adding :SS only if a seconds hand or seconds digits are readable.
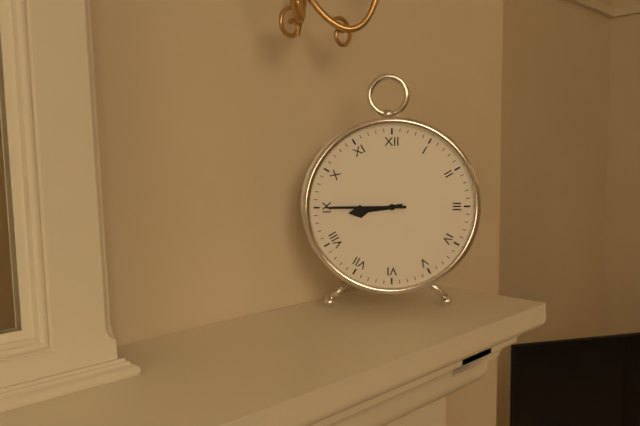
8:45
